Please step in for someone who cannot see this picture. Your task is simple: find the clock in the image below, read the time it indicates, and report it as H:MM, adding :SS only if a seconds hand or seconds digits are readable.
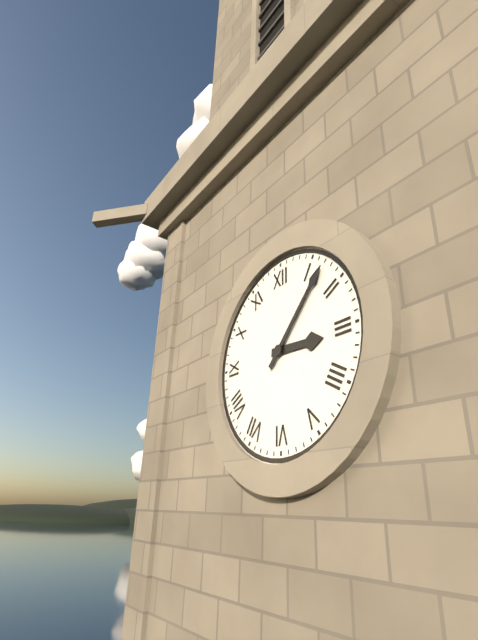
3:07
